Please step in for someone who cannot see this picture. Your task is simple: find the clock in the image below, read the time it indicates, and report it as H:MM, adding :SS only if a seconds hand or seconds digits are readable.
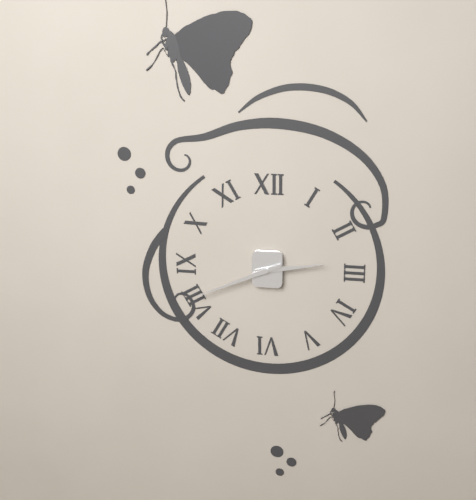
2:41
